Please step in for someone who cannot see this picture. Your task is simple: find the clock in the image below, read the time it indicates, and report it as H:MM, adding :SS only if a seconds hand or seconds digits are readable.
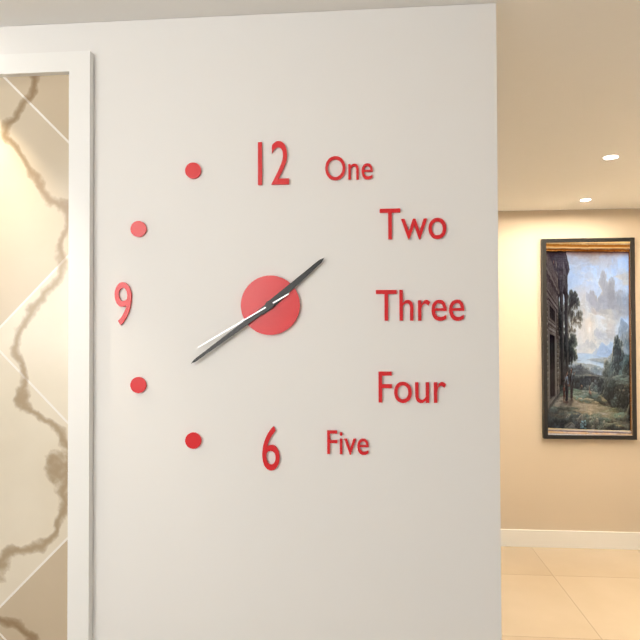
1:39:40
